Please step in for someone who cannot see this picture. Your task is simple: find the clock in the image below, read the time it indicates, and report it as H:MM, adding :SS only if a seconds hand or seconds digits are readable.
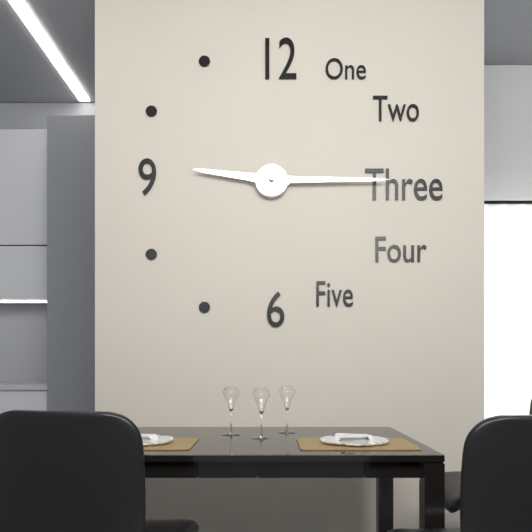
9:15
